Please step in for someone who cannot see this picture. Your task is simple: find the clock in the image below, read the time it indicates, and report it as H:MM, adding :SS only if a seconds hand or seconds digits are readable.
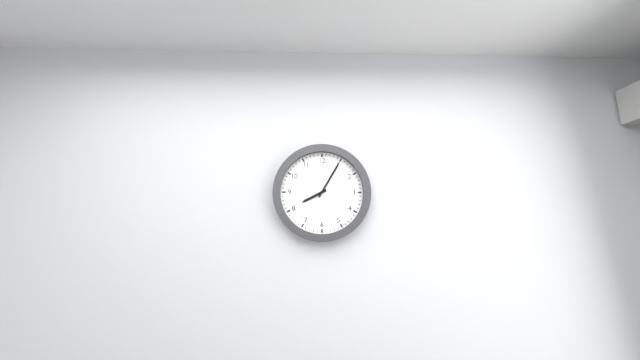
8:05
